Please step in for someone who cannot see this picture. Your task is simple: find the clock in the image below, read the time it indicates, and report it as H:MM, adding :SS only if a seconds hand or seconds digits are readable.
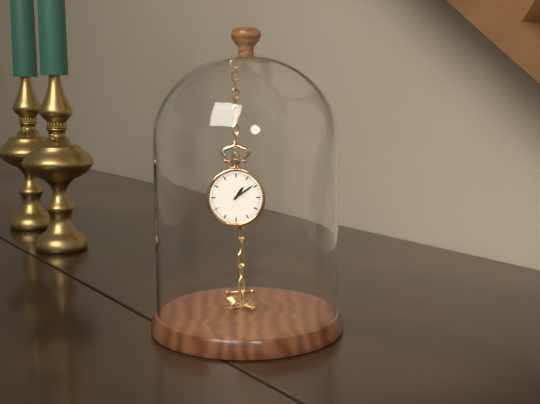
1:09
